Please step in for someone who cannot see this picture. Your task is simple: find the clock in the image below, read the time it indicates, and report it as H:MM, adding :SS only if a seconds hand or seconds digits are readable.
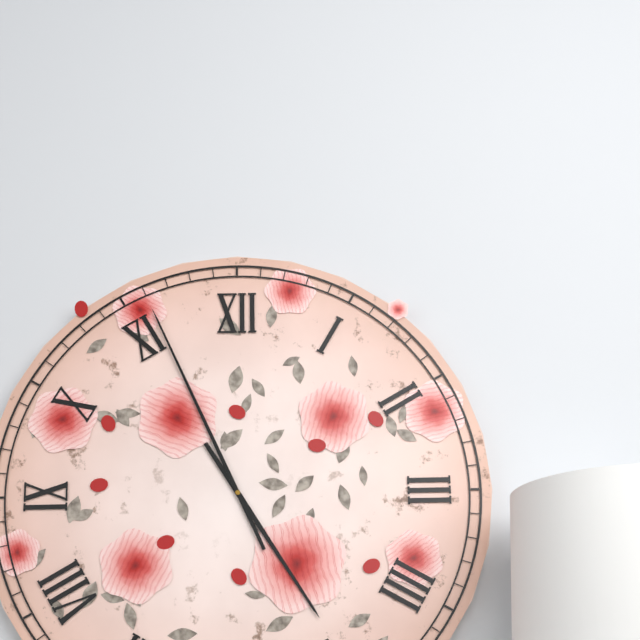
4:56
